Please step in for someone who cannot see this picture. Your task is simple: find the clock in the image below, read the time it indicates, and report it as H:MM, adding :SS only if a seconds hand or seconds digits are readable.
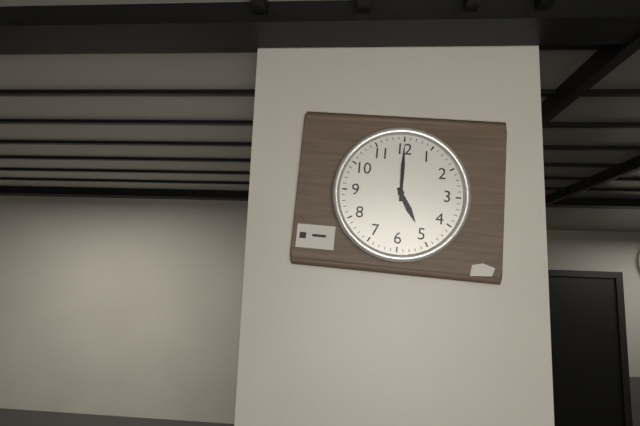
5:00
